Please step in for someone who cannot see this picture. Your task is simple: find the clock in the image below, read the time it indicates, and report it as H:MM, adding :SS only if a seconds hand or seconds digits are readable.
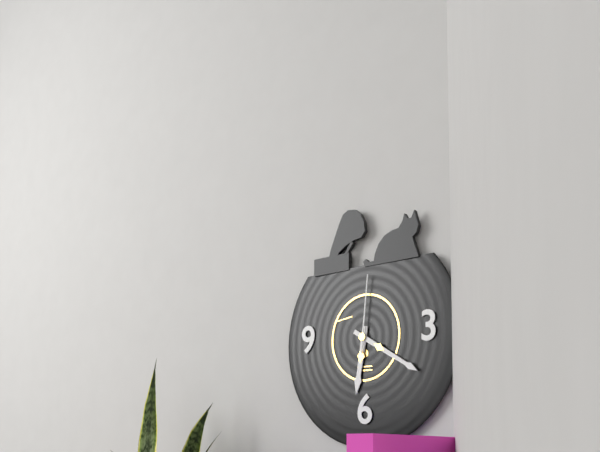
6:20:01
